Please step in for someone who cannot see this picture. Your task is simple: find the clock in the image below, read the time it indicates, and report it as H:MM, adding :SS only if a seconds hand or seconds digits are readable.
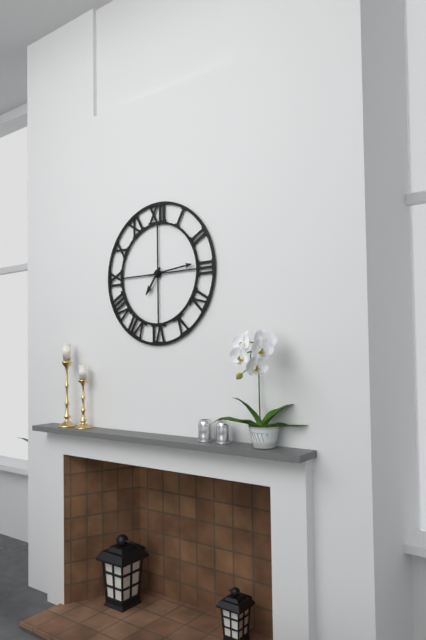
7:14
